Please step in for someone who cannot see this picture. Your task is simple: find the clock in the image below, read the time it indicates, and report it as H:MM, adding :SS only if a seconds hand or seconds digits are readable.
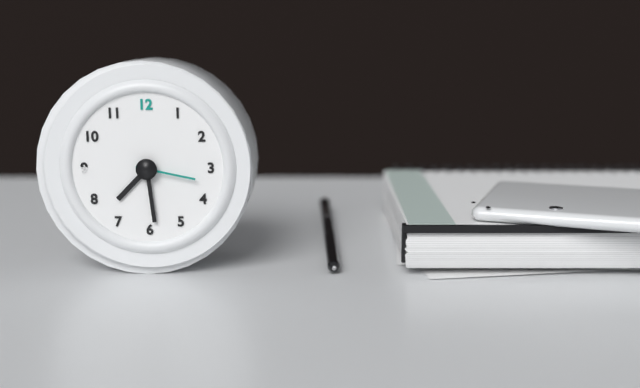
7:29:17
